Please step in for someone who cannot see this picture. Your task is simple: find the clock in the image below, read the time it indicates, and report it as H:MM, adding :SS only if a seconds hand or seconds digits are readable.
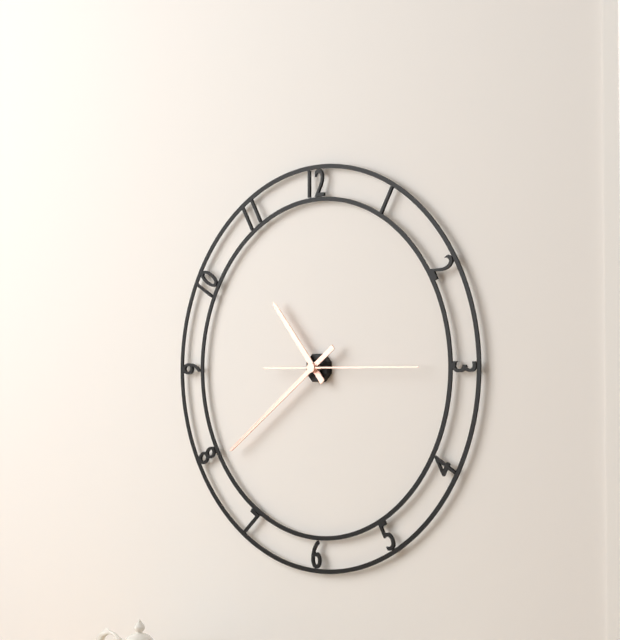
10:39:15
